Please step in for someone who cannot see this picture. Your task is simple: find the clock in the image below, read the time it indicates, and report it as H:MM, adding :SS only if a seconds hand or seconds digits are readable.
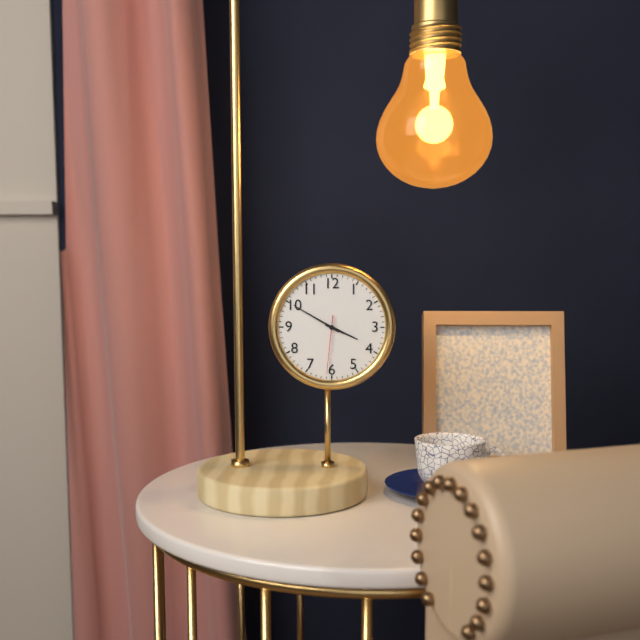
3:50:31
